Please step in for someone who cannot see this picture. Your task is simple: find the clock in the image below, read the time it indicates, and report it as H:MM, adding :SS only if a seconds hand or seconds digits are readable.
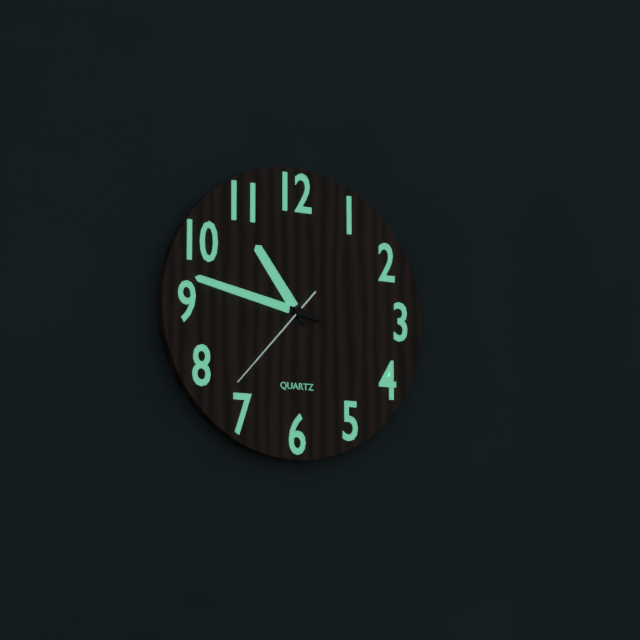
10:47:37
